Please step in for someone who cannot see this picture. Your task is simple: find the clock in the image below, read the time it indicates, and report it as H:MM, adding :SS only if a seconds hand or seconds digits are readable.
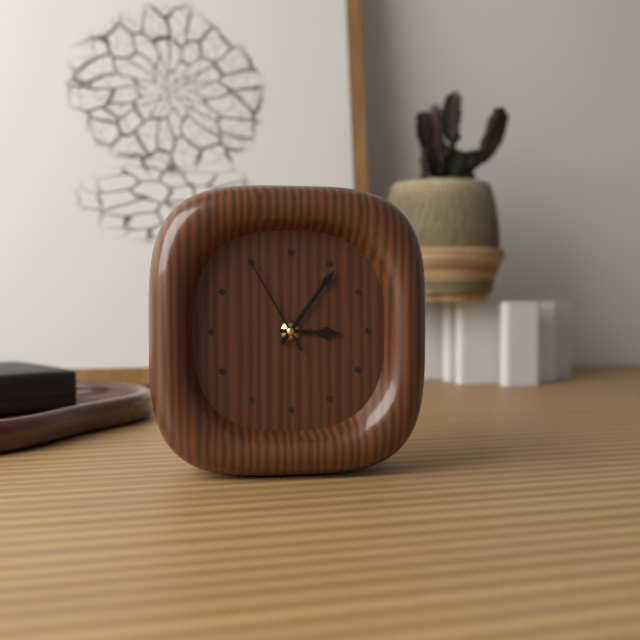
3:06:55
